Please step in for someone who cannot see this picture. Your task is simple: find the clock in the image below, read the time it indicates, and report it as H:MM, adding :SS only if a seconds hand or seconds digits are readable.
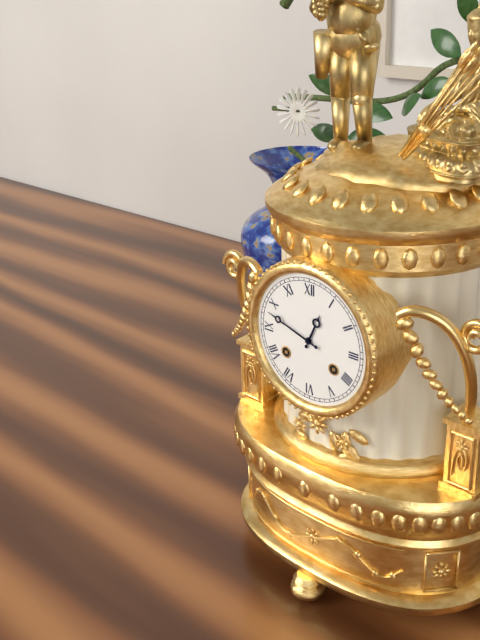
12:48
